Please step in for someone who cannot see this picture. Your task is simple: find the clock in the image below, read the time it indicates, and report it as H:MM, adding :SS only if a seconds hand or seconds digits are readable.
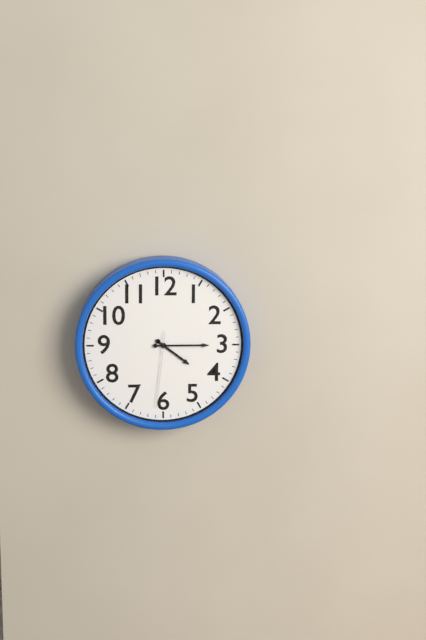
4:15:31
